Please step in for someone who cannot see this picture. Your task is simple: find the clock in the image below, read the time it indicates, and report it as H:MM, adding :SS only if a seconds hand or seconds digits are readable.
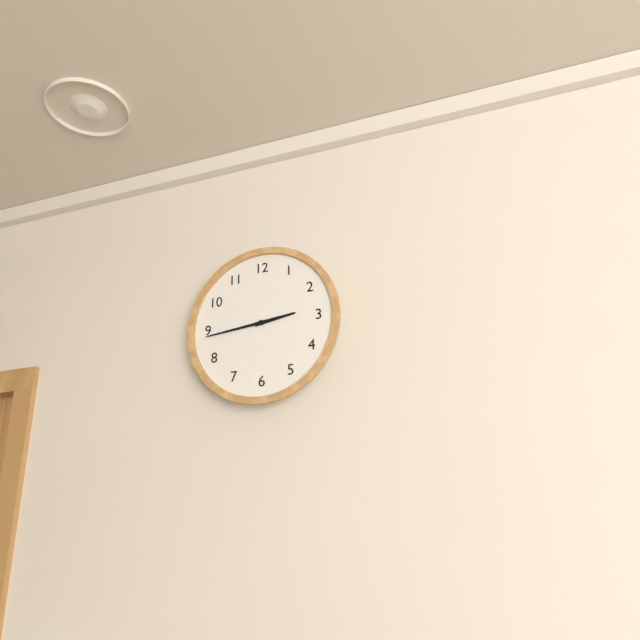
2:44
